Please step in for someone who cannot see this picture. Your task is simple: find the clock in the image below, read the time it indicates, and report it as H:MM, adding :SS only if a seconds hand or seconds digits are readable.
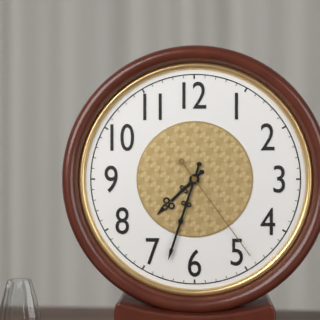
7:33:24
